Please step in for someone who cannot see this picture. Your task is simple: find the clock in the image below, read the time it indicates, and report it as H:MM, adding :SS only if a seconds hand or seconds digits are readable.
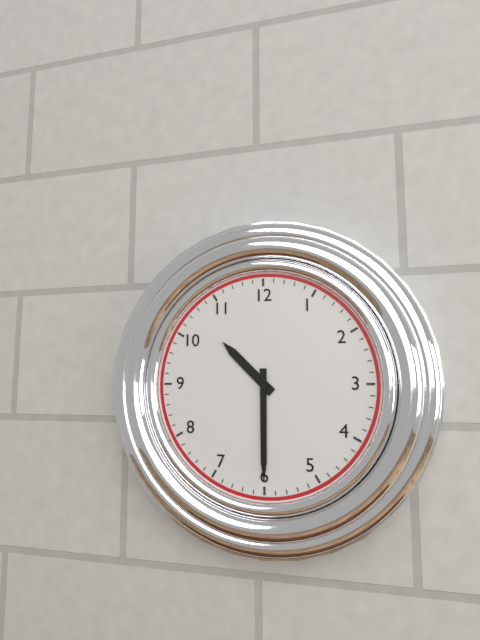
10:30
